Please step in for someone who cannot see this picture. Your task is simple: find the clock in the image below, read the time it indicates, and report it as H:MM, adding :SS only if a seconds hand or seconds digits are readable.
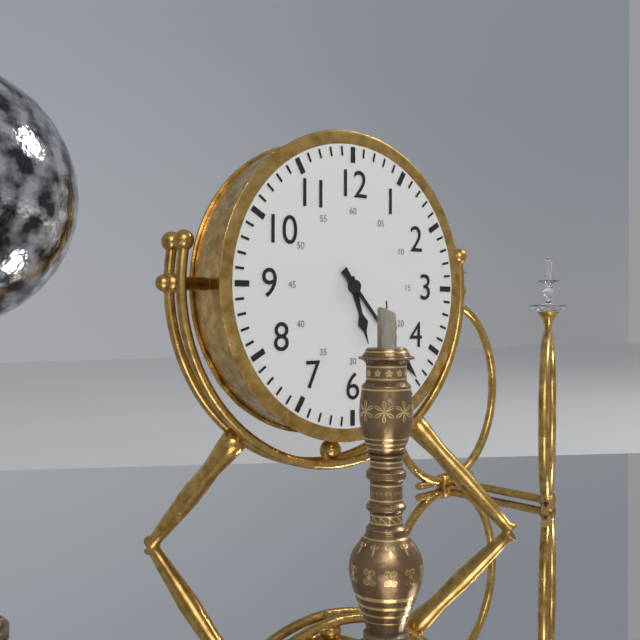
5:23
